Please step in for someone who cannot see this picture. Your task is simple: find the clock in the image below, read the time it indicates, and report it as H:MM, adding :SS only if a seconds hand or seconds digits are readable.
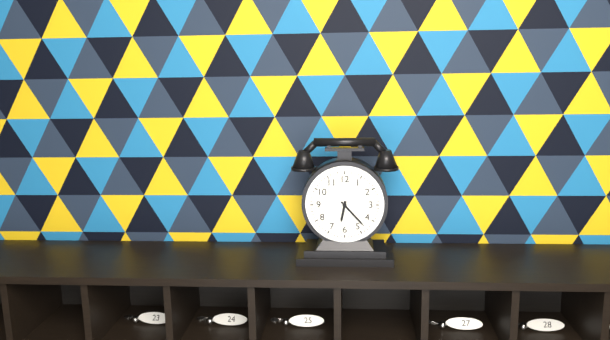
6:23
